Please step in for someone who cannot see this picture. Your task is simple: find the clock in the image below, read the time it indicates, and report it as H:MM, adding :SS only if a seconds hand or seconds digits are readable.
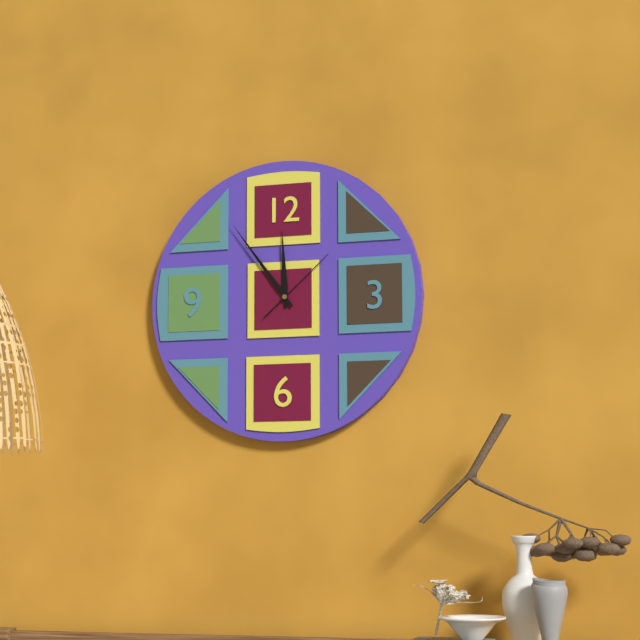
11:54:08
